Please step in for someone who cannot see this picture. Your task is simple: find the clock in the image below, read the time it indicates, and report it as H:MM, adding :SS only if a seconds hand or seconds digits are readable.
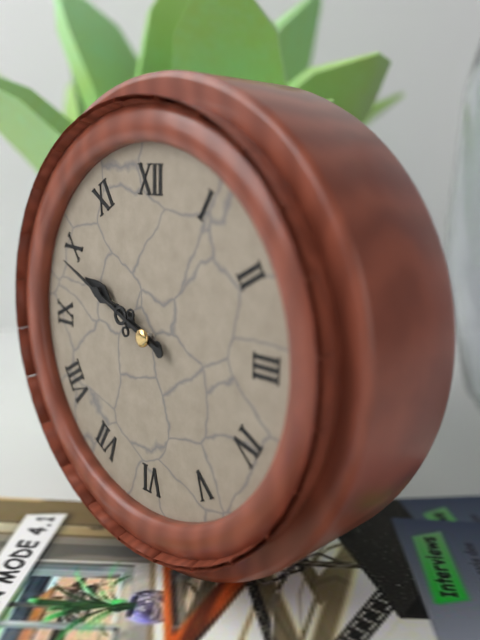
9:49
